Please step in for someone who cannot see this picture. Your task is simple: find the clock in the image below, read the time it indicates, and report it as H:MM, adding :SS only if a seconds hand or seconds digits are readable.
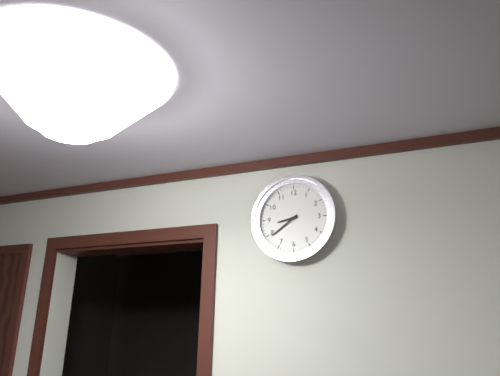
8:39
